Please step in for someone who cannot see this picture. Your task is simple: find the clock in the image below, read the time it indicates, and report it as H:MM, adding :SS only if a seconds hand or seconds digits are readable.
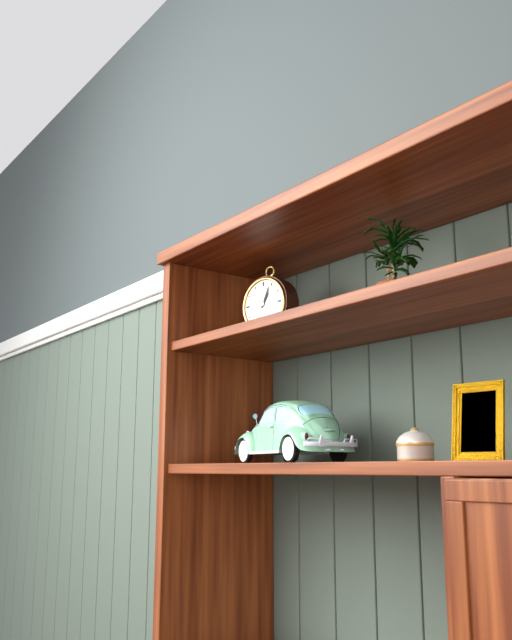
1:04
